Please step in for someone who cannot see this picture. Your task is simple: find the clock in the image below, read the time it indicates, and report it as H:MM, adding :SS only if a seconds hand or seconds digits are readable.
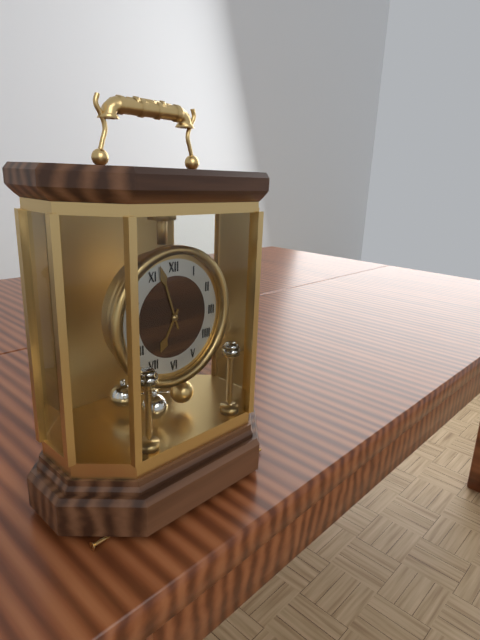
6:57
